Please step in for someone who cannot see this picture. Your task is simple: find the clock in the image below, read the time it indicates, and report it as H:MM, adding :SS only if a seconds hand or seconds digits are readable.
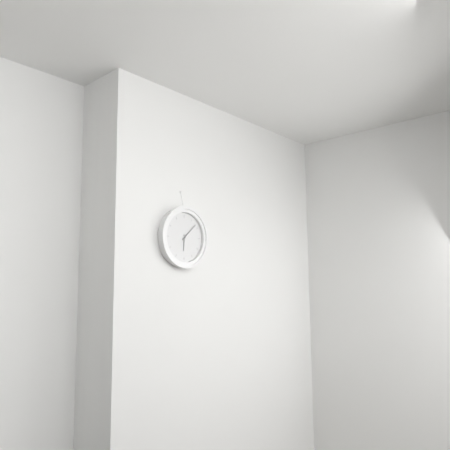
6:08
